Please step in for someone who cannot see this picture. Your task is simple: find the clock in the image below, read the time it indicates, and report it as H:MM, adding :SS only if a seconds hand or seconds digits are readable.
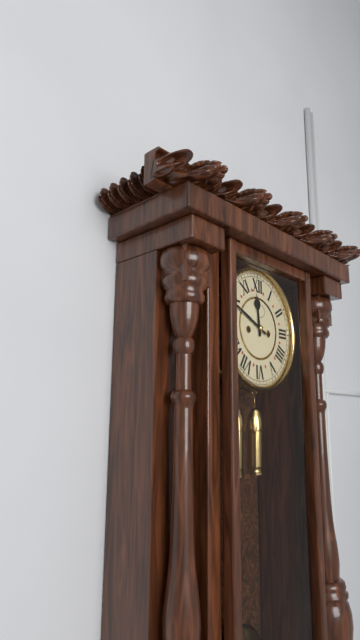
11:49
